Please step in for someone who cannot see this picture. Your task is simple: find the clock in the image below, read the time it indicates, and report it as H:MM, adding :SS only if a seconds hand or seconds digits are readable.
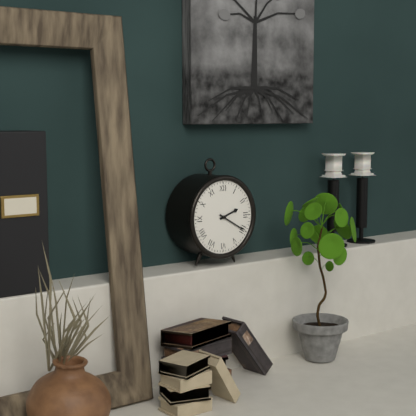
2:20
